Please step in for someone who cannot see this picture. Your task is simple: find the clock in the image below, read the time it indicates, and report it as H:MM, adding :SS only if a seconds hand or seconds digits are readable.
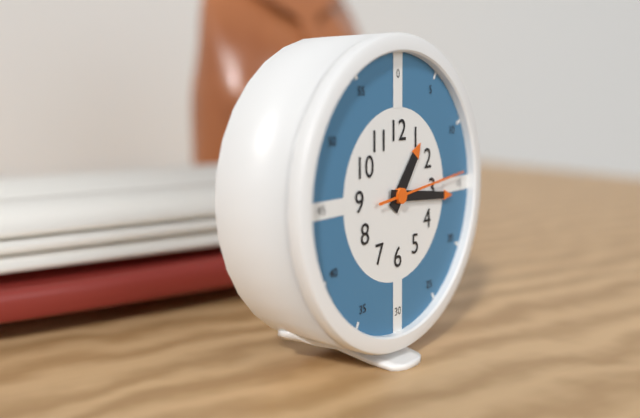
1:16:14
